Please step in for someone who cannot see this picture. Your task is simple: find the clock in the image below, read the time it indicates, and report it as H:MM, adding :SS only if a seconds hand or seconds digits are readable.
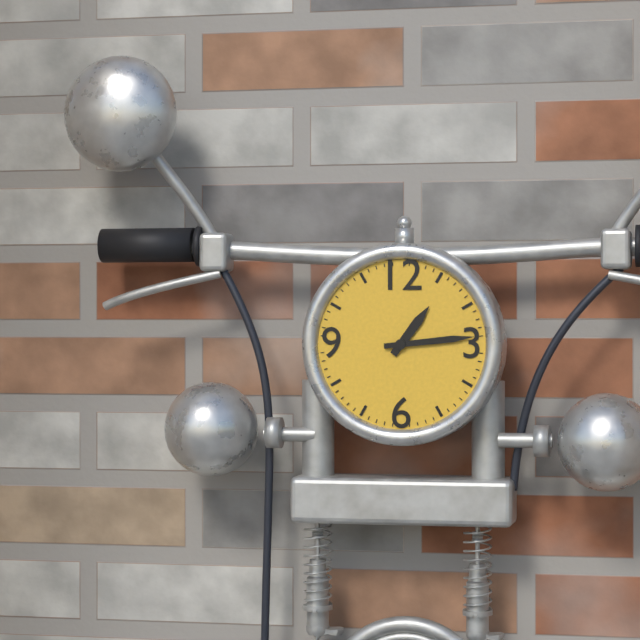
1:14
